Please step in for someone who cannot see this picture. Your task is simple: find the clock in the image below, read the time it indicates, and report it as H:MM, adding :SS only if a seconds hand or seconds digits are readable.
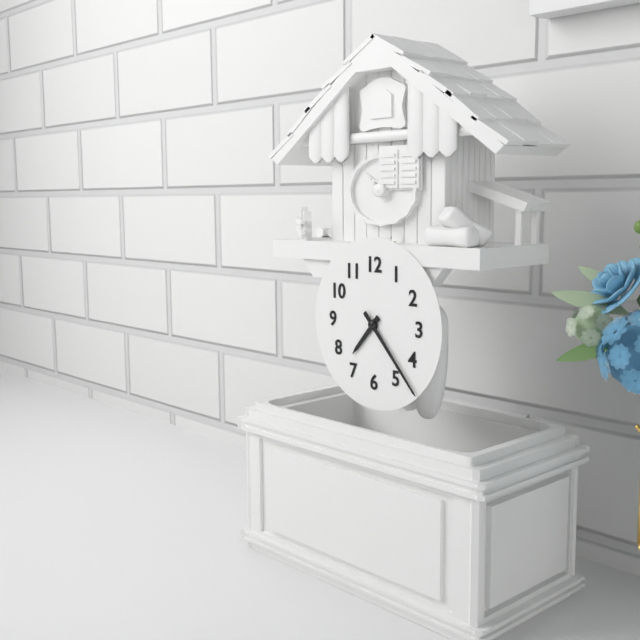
7:23
